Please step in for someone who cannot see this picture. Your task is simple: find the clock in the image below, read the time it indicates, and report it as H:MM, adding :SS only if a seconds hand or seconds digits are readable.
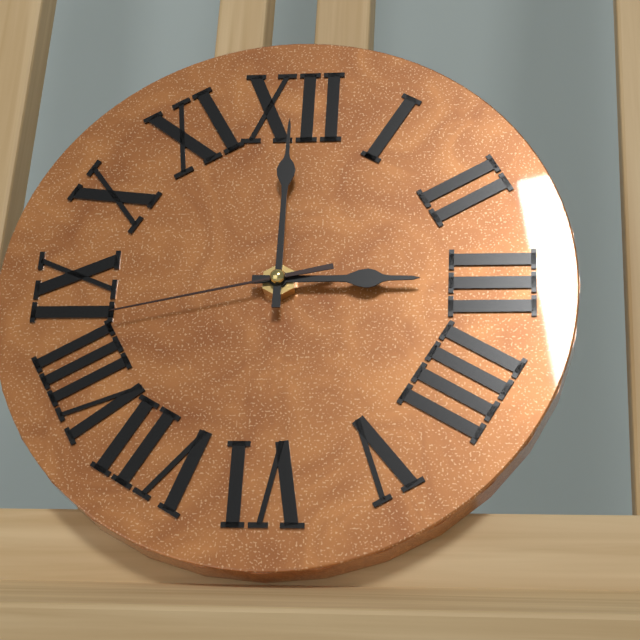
3:00:43
